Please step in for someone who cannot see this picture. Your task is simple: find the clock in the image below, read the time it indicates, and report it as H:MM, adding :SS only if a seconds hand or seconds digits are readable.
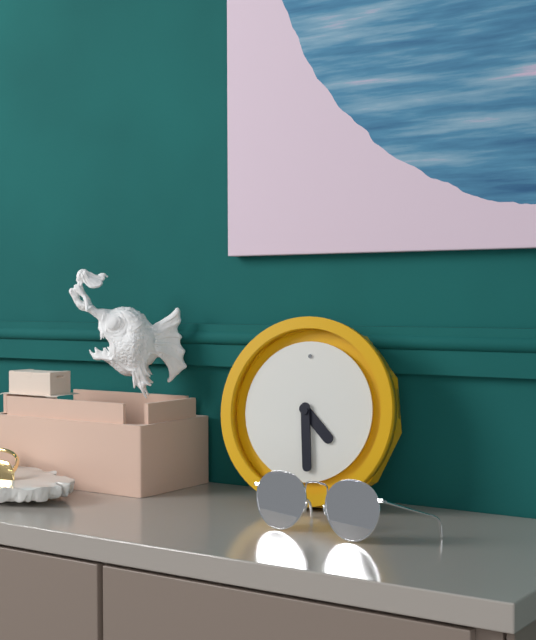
4:29
